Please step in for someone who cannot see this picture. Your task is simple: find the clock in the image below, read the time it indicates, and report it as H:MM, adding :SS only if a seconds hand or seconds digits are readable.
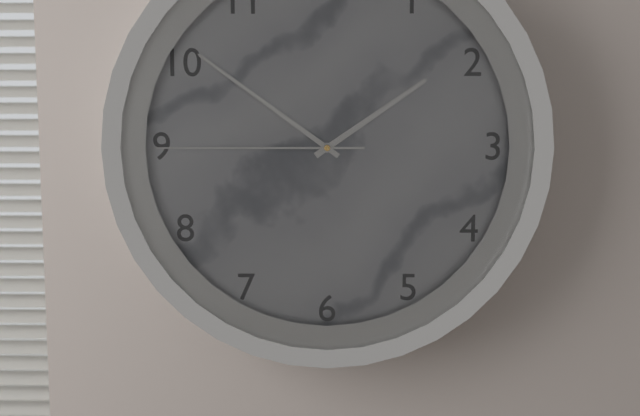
1:51:45
